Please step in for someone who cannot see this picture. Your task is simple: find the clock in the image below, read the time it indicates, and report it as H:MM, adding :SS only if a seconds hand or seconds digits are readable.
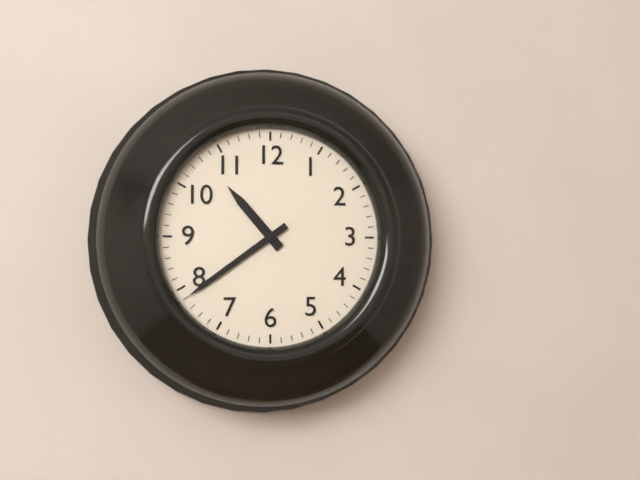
10:39
